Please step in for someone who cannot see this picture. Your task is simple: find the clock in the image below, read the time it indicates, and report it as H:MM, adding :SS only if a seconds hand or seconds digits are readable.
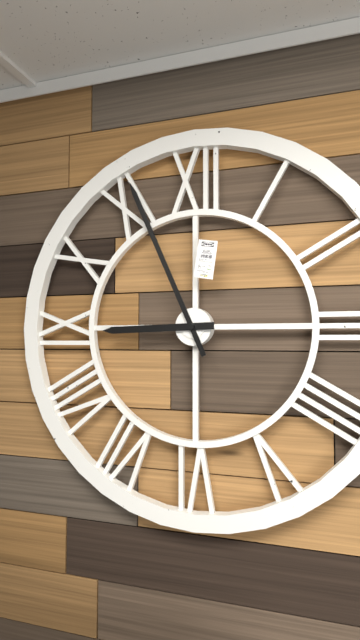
8:56
